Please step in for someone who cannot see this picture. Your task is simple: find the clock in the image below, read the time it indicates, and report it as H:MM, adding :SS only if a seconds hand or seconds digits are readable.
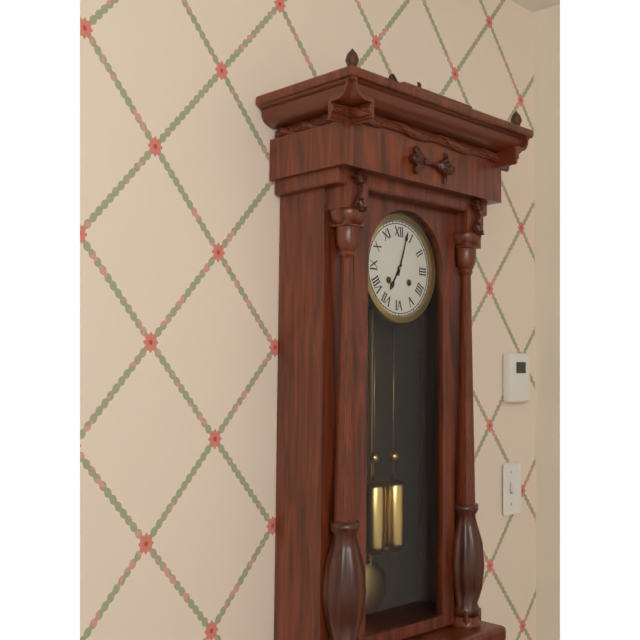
7:03
